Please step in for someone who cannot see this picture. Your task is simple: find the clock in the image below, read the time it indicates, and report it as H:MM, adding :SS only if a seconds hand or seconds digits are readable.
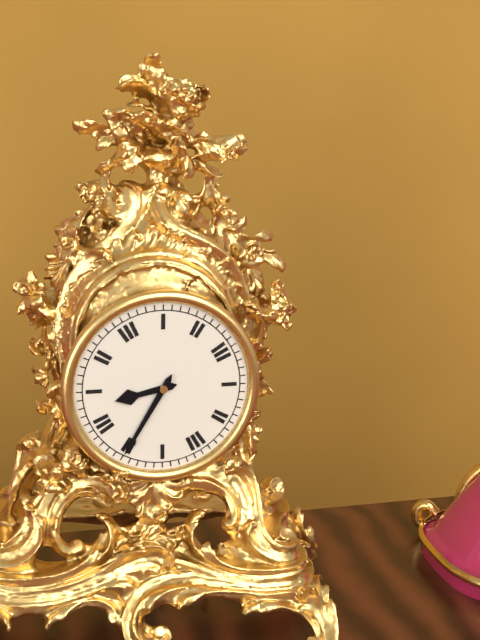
8:35
